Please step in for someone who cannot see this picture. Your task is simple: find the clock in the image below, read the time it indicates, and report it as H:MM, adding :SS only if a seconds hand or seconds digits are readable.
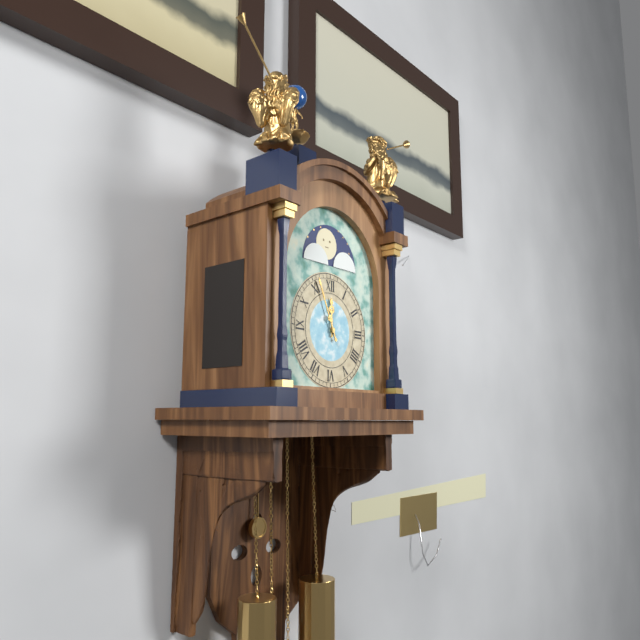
11:56
